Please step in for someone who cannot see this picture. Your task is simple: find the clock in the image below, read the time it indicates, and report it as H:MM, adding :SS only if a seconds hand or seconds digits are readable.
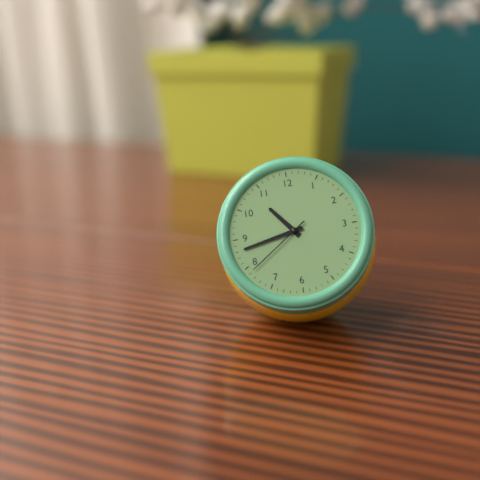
10:43:39
